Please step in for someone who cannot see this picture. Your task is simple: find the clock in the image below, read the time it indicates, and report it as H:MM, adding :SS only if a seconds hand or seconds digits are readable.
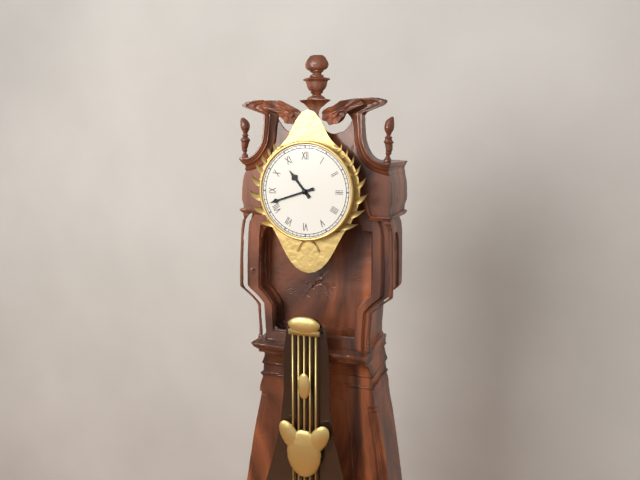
10:42
